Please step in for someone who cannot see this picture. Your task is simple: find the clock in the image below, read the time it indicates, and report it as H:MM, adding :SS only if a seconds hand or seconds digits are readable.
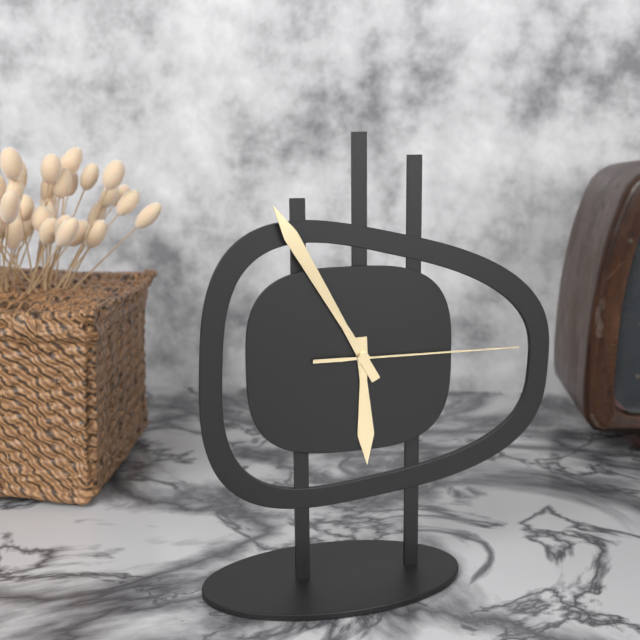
5:55:15
